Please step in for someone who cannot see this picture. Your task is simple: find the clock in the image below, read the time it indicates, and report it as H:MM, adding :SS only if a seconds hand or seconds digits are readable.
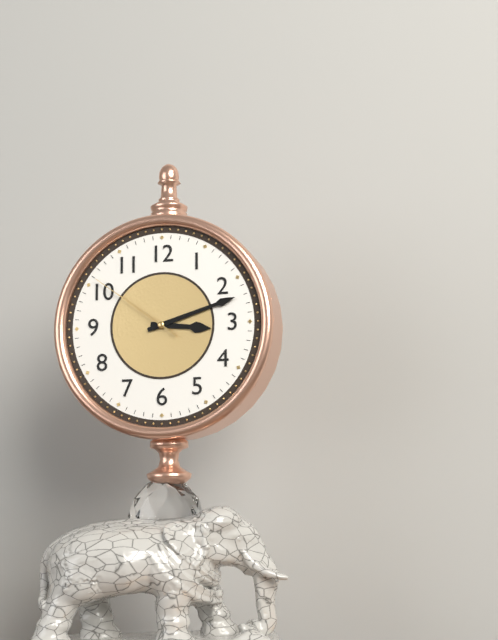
3:12:51
